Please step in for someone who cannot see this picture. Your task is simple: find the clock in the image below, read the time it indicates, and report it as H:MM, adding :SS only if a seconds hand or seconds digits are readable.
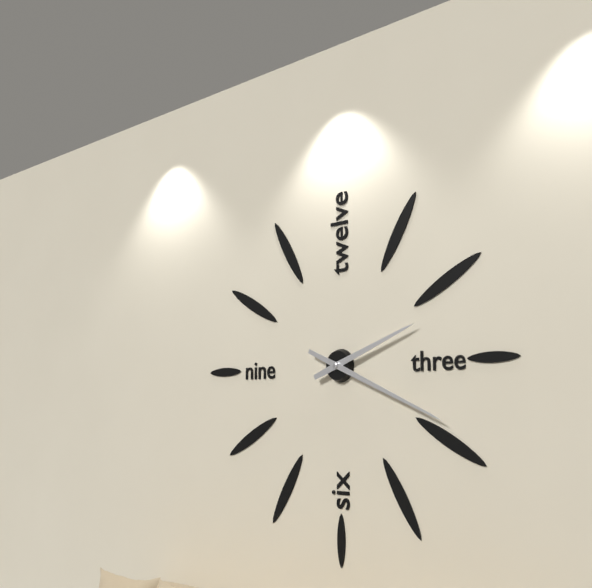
2:19
